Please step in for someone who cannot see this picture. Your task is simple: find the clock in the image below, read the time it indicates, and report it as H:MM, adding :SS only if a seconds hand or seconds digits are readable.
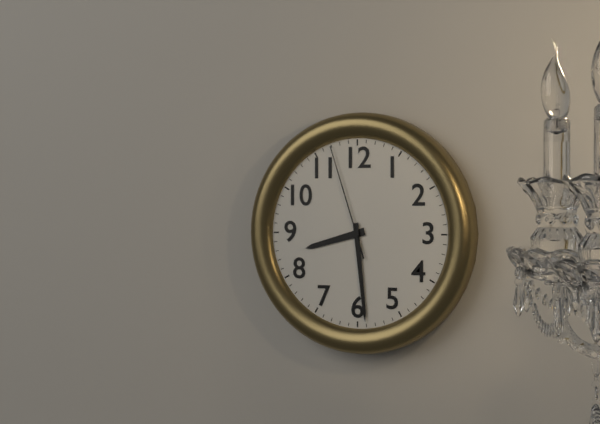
8:29:57
